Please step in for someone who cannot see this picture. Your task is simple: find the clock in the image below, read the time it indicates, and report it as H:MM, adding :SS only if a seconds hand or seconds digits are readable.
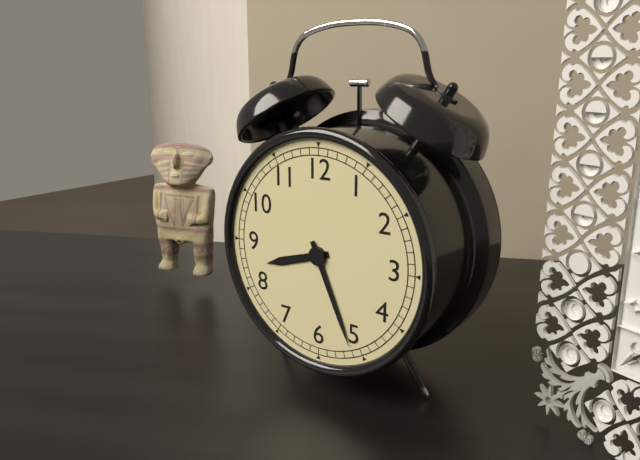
8:26
